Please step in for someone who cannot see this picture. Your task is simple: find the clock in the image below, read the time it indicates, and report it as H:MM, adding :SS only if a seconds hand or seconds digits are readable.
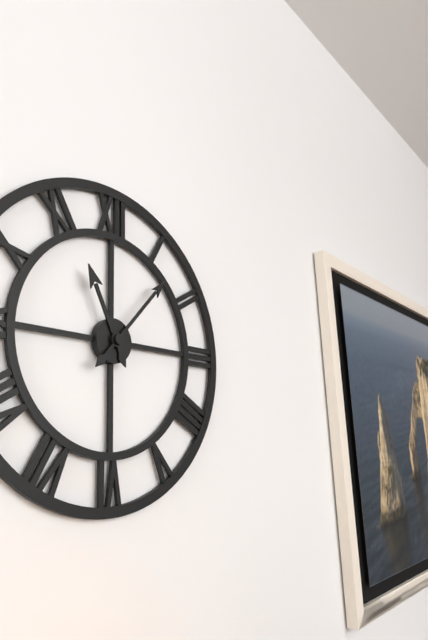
11:07
